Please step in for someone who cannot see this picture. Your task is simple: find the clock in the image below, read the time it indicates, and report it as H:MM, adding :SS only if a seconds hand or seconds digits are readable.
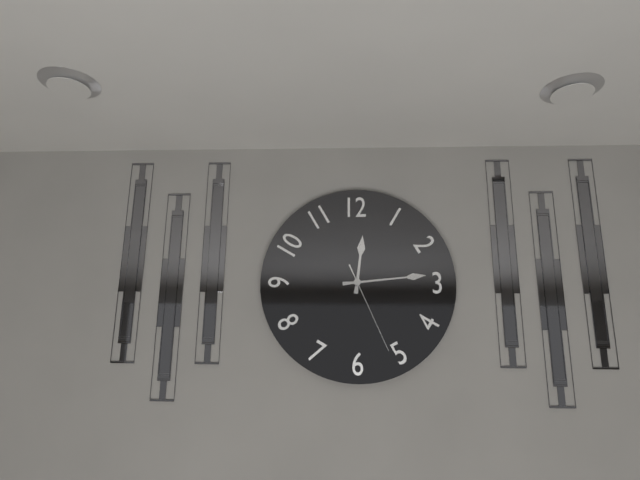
12:14:26
